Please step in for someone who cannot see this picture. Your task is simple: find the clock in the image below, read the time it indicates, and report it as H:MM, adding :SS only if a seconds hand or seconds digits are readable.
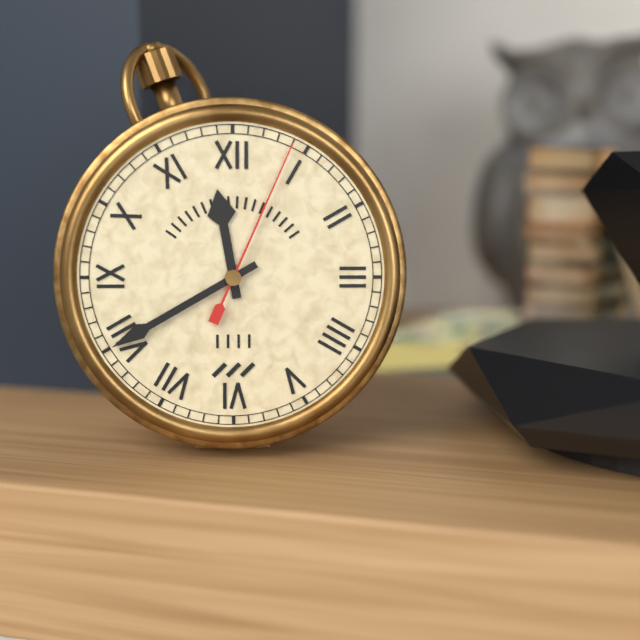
11:40:04
